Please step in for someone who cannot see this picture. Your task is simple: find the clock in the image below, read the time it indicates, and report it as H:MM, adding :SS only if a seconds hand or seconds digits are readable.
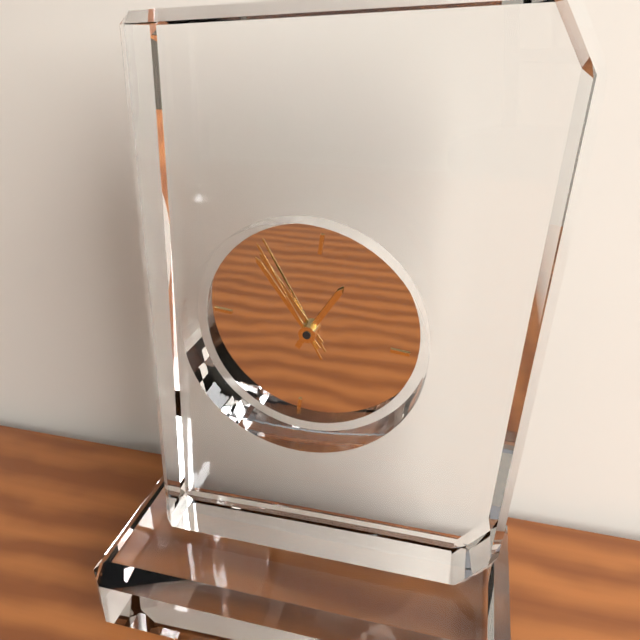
12:53:54
